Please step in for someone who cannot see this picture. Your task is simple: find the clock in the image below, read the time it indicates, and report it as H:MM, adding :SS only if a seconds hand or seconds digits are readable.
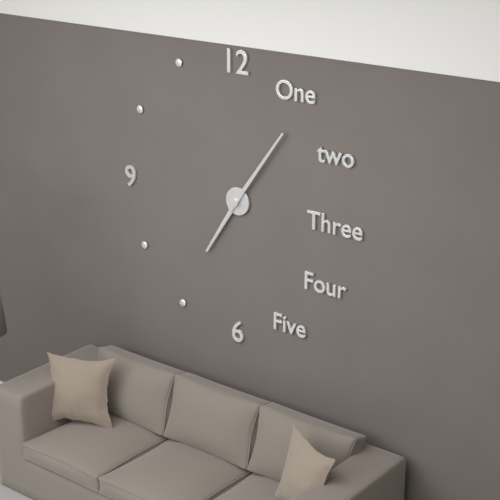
7:06
